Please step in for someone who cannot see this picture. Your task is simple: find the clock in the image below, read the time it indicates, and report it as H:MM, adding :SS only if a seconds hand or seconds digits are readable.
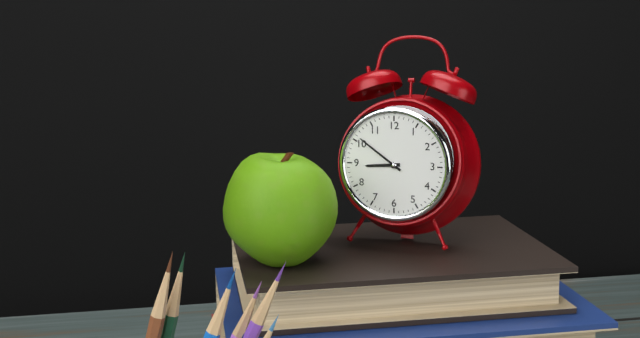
8:51
